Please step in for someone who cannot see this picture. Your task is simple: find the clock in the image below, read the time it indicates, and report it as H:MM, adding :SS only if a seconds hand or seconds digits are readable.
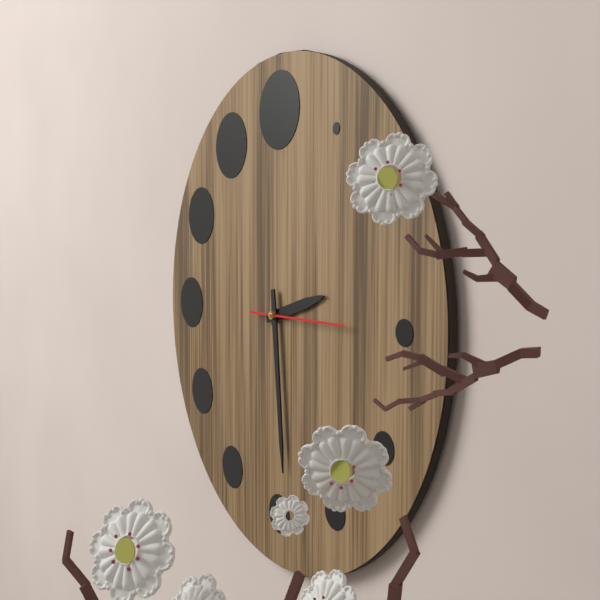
2:29:15
